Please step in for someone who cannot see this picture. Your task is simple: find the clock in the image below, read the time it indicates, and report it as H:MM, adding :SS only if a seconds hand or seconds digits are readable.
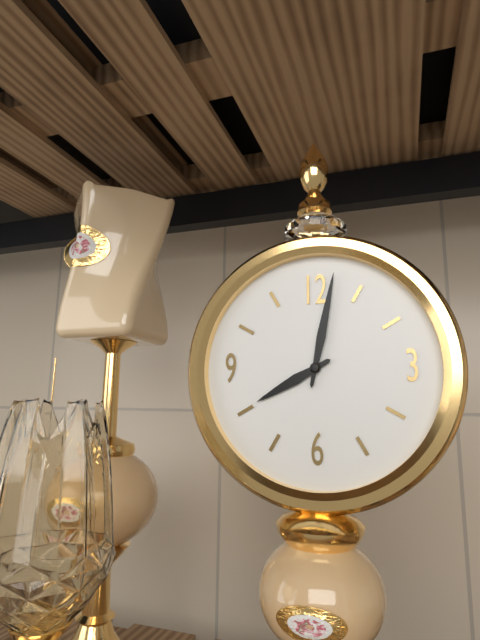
8:02
